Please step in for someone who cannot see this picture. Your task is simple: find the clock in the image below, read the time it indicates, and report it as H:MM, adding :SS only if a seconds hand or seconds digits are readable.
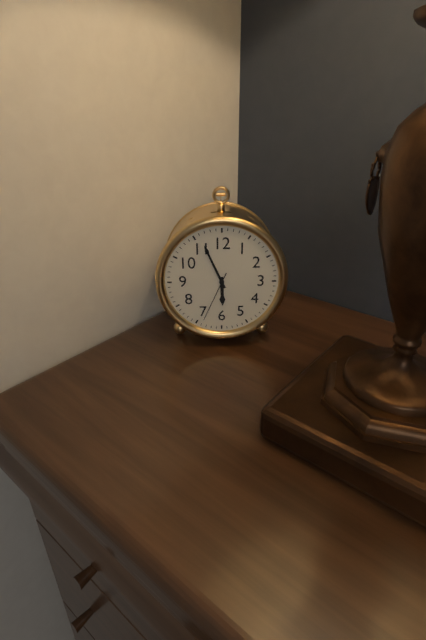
5:56:34
